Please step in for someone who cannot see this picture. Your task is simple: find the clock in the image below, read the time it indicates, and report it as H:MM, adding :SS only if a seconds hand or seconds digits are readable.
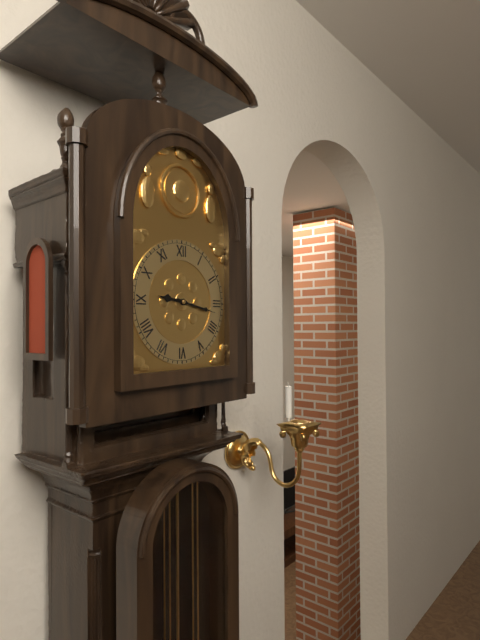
9:17
